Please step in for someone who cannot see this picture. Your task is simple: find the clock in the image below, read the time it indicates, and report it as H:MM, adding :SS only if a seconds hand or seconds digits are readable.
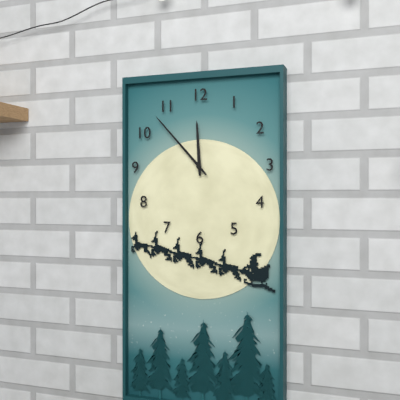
11:53
